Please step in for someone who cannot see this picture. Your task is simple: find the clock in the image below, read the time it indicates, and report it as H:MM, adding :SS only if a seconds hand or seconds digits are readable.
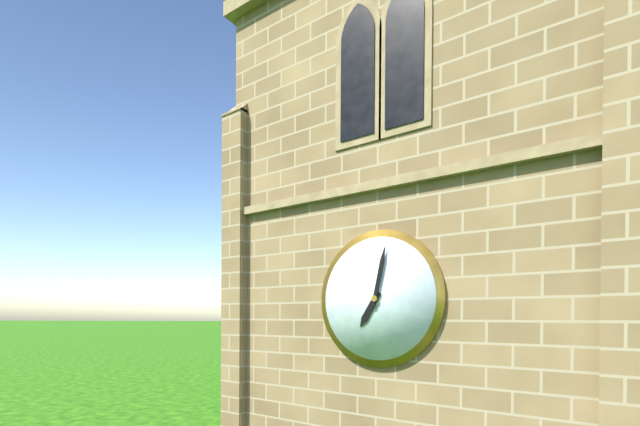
7:02
